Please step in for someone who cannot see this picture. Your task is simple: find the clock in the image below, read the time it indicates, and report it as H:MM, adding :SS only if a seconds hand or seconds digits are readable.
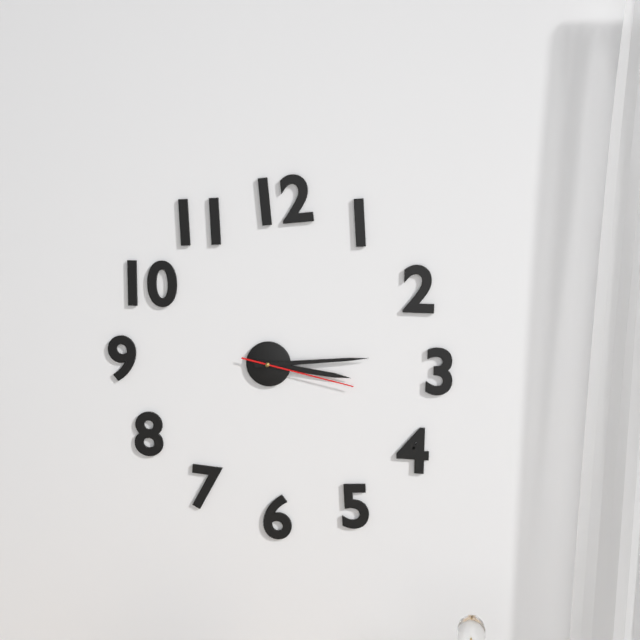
3:14:17
